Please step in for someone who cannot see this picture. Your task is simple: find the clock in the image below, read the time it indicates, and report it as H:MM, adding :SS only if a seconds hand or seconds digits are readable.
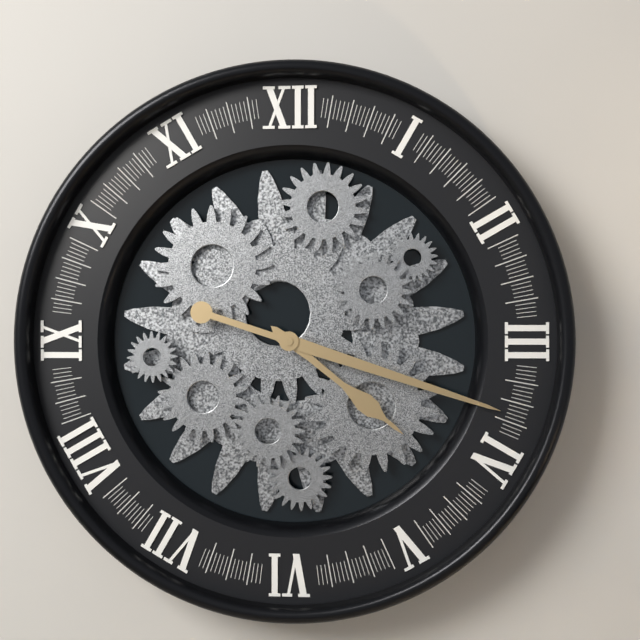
4:18
